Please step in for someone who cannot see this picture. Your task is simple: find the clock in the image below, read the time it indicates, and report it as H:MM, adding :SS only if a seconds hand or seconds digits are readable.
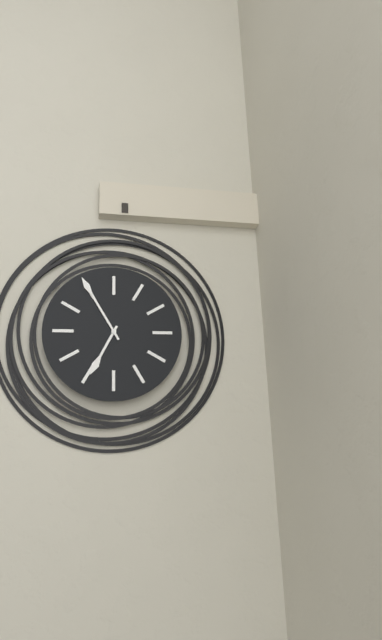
6:55
